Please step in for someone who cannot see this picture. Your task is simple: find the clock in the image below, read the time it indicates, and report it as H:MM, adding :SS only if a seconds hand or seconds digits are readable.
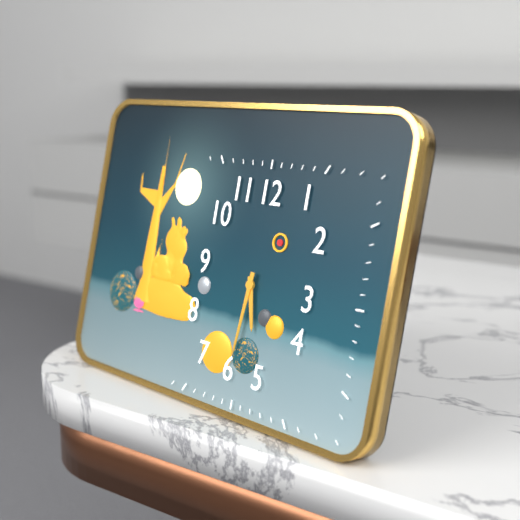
5:31
